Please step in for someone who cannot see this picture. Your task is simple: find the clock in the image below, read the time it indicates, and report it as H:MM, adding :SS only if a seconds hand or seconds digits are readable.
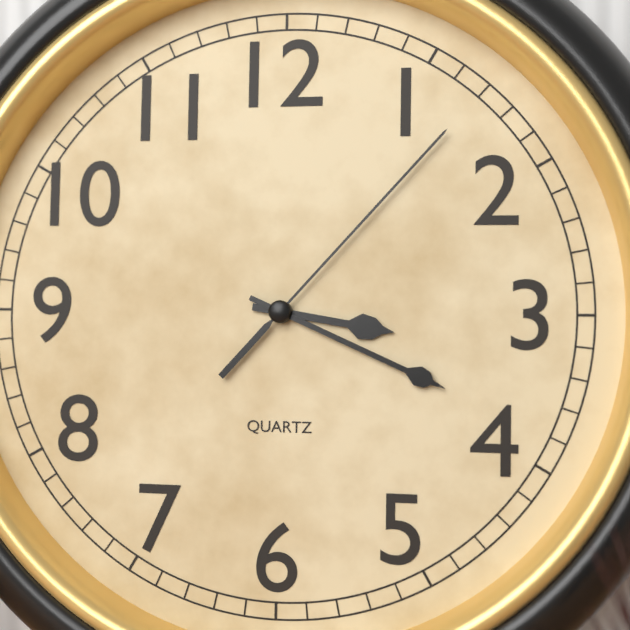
3:19:07
